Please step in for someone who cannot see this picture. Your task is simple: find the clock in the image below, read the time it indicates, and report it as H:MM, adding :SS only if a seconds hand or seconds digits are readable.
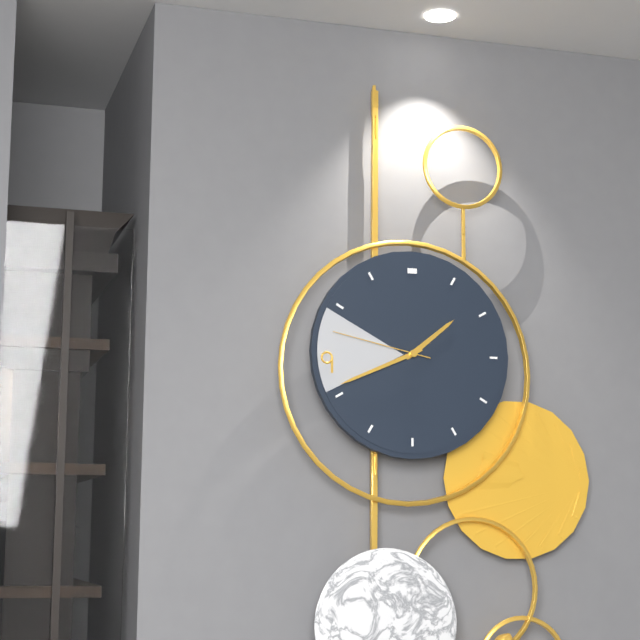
1:41:47
